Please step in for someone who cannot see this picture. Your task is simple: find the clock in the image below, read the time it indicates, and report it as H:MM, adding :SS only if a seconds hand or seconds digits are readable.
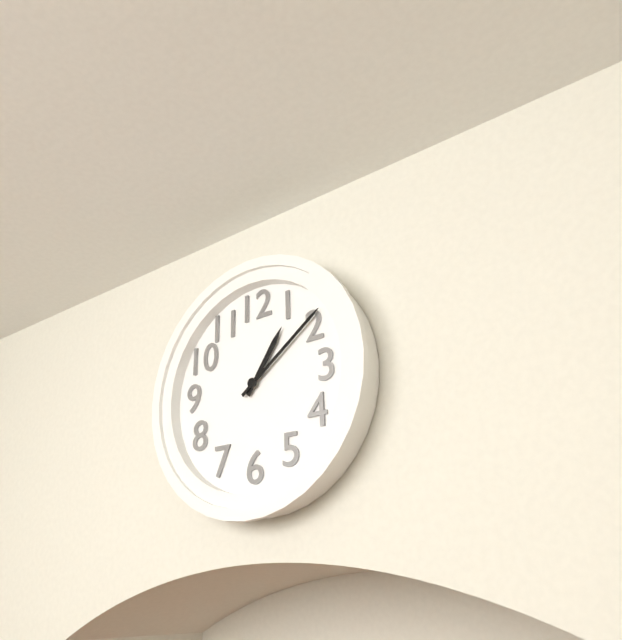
1:09
